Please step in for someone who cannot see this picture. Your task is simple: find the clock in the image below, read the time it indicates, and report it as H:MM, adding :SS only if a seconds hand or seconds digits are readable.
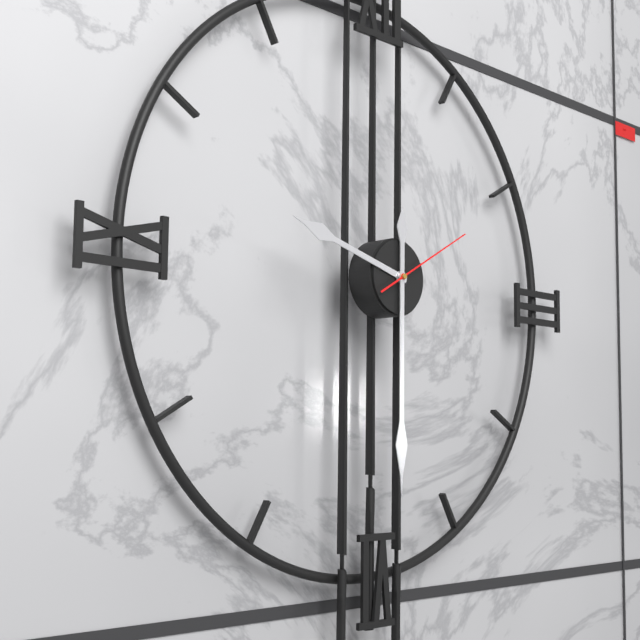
9:30:10
